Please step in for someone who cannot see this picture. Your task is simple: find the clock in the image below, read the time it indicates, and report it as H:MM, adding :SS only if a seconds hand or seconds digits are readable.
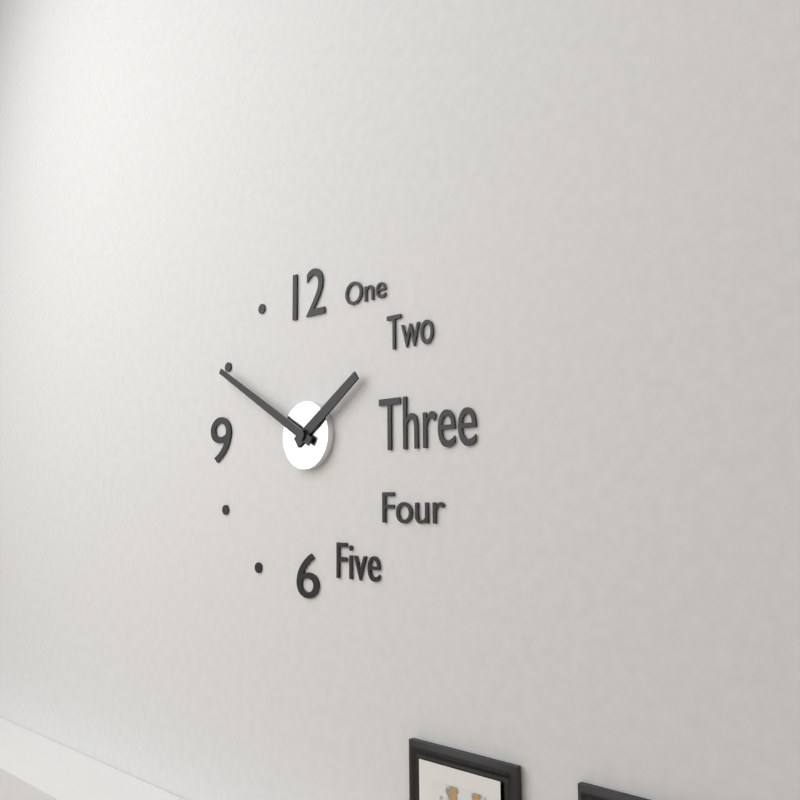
1:50
